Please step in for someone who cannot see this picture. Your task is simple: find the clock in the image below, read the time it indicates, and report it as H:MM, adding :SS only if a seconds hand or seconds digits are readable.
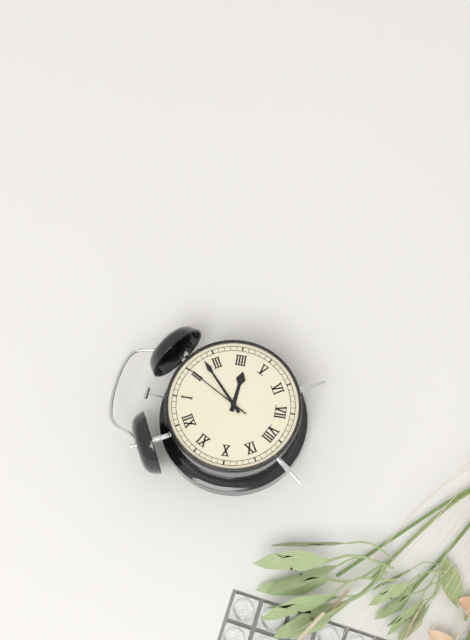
4:13:10
